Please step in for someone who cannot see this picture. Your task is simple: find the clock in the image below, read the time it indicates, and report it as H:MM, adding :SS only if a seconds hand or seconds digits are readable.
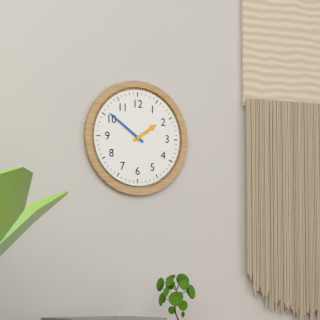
1:51
